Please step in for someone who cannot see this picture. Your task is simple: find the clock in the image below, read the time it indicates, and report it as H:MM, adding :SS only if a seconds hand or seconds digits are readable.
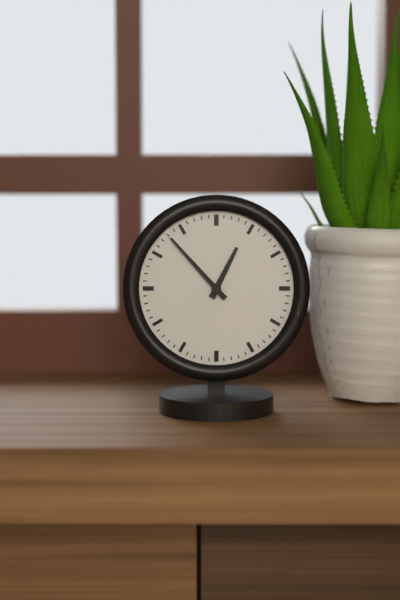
12:53
